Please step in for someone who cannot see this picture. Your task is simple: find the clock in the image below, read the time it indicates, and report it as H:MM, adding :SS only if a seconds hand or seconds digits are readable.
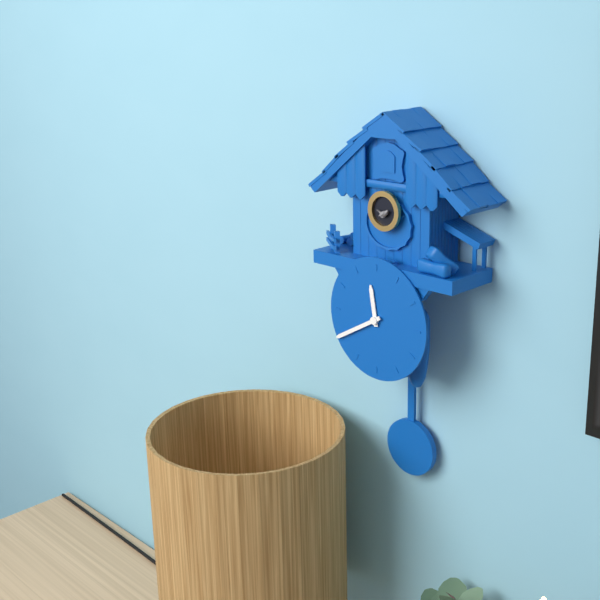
11:40
